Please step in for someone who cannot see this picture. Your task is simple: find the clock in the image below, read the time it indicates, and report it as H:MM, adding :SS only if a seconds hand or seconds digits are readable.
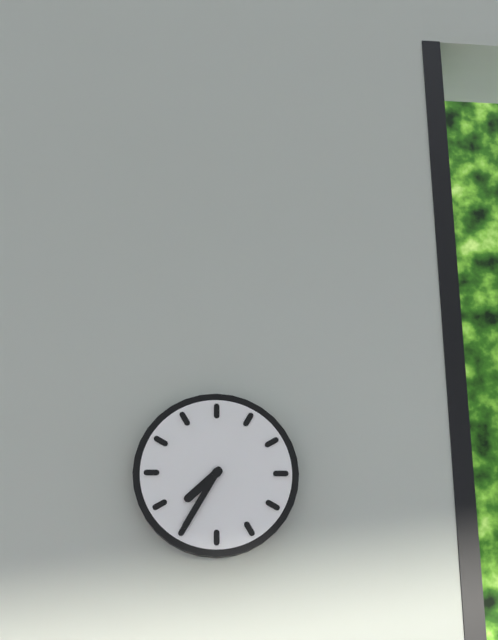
7:35
